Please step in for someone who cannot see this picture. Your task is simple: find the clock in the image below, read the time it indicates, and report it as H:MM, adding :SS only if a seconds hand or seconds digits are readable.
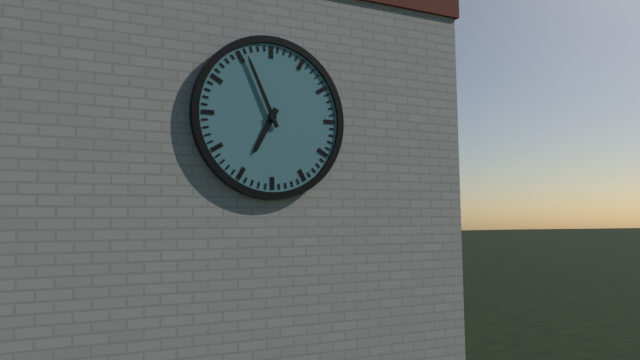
6:56
